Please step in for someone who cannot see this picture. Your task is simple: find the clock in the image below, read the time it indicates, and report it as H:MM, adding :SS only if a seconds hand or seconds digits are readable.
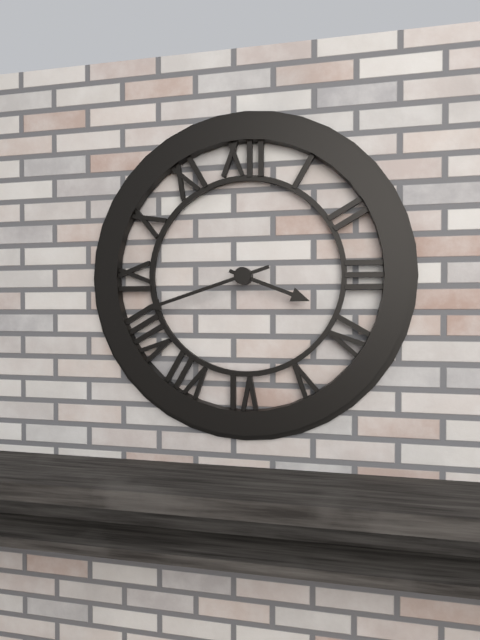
3:42
